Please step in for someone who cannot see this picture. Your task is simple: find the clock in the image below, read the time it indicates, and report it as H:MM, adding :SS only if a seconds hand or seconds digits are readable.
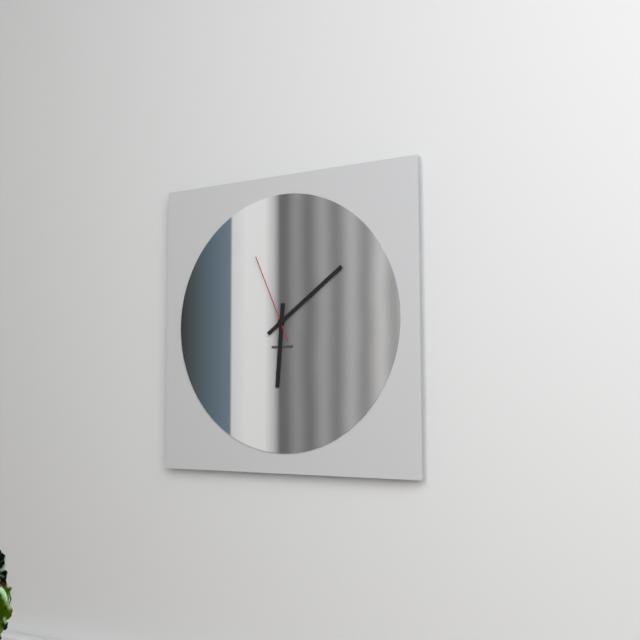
6:09:56
